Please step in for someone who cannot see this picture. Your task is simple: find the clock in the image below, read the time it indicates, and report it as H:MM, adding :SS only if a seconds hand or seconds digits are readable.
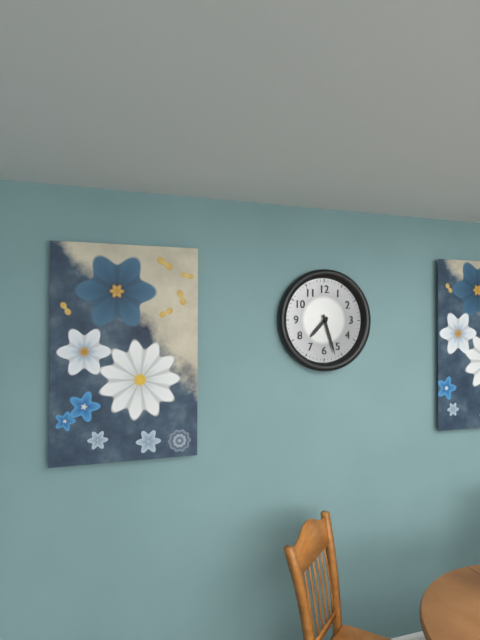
7:27
